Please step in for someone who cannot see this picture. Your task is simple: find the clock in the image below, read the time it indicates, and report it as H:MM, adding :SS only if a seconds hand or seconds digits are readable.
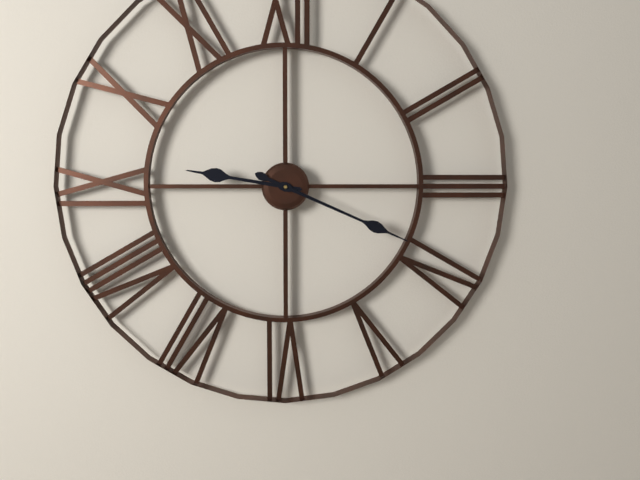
9:19
